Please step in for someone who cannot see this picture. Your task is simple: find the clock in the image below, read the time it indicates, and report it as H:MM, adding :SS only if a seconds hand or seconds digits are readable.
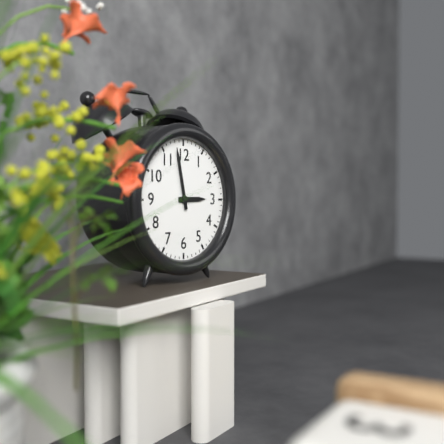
2:58
